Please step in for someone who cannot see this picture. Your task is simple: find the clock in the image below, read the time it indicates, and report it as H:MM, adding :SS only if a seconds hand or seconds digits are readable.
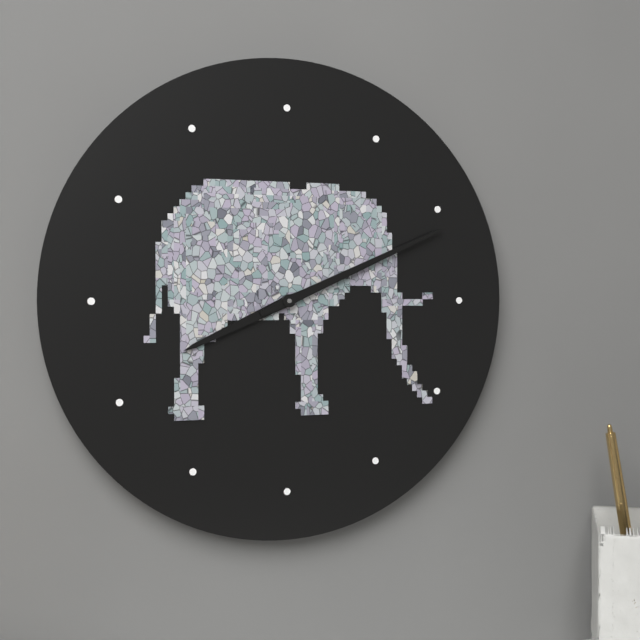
8:11
